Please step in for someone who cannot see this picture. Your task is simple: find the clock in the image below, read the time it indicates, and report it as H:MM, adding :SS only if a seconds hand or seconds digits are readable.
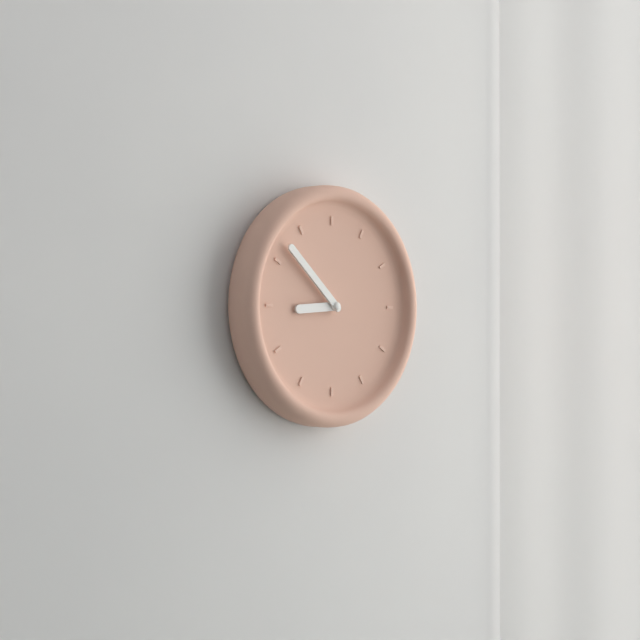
8:52
